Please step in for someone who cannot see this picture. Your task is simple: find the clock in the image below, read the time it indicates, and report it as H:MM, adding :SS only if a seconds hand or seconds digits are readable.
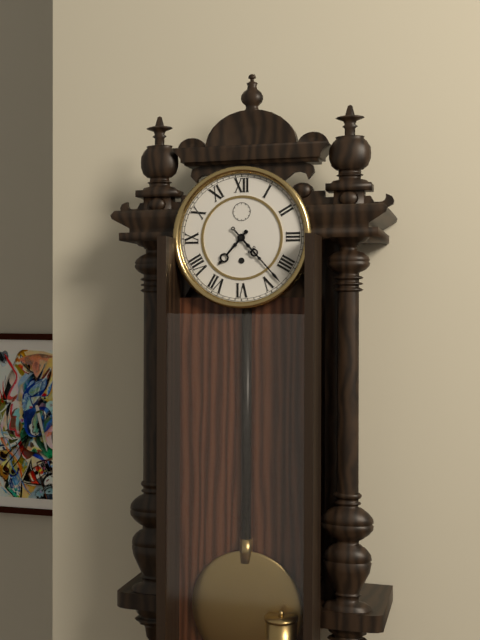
7:23
